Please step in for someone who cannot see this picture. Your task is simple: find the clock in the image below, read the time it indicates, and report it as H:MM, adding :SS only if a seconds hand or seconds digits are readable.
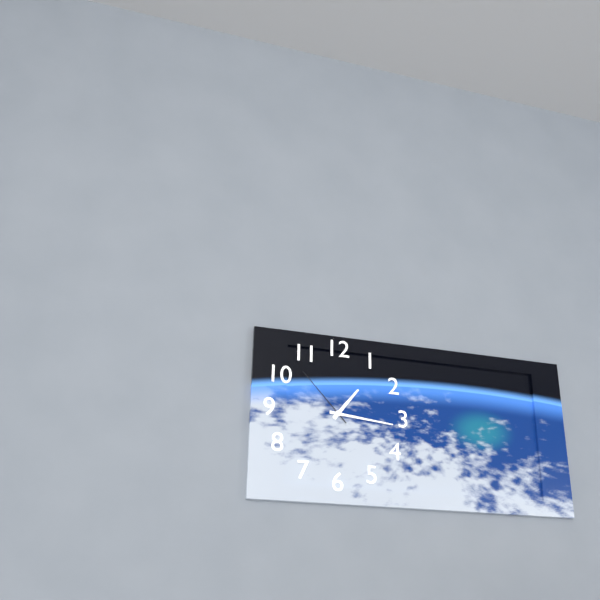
1:16:53
